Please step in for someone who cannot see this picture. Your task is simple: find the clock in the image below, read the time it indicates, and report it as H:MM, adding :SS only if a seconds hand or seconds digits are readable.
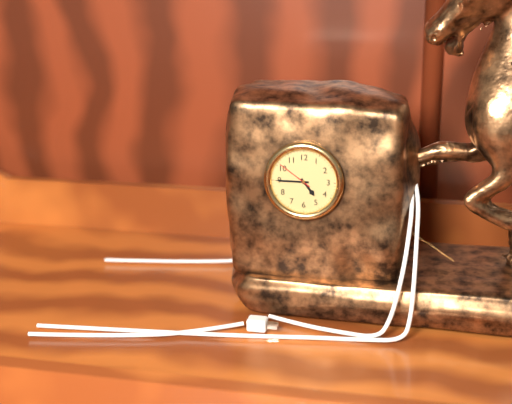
4:45
